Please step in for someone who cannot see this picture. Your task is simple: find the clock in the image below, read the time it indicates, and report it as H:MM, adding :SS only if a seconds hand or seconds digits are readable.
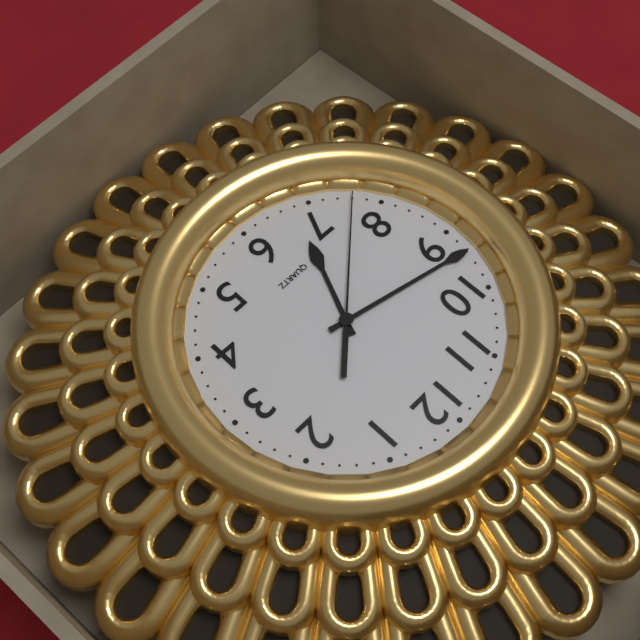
6:47:38
